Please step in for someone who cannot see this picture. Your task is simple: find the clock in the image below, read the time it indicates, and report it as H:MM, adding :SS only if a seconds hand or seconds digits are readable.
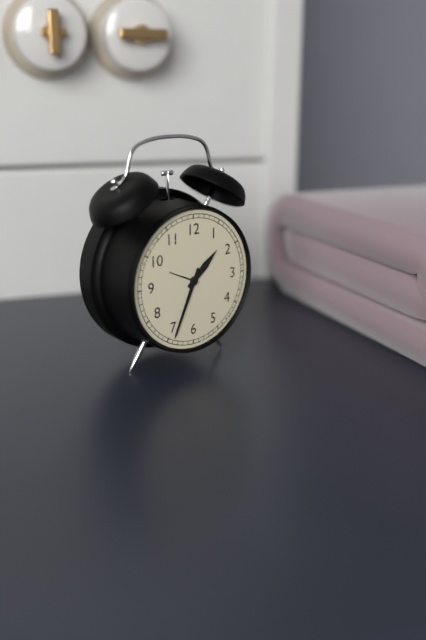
1:34
